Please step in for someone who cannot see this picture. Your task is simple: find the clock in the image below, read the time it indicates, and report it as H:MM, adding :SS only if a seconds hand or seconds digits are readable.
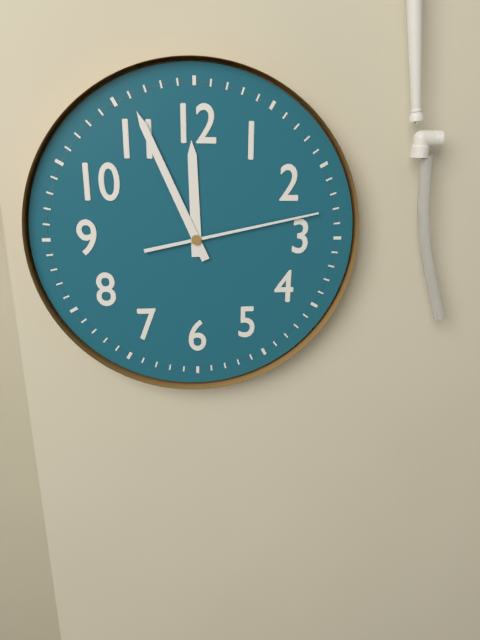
11:56:13
